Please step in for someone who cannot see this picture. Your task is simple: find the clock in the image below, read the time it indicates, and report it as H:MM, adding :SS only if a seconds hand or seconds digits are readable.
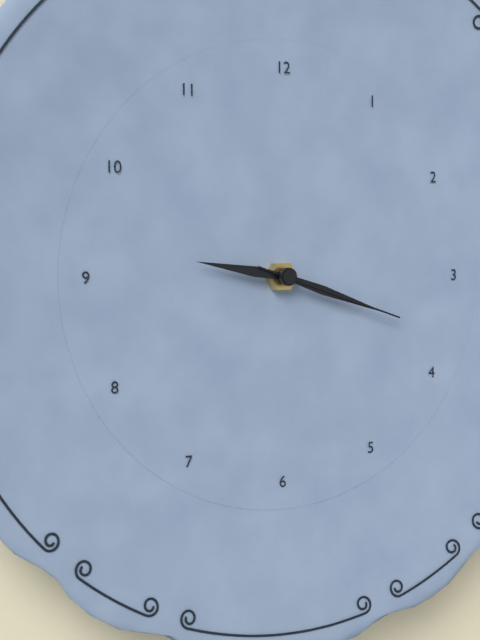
9:18:18
